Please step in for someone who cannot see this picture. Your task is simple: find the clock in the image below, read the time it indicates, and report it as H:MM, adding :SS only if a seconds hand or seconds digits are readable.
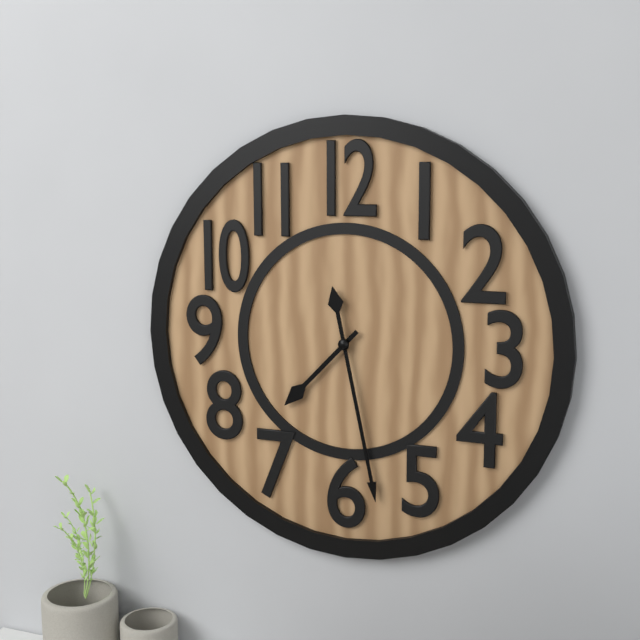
7:28
